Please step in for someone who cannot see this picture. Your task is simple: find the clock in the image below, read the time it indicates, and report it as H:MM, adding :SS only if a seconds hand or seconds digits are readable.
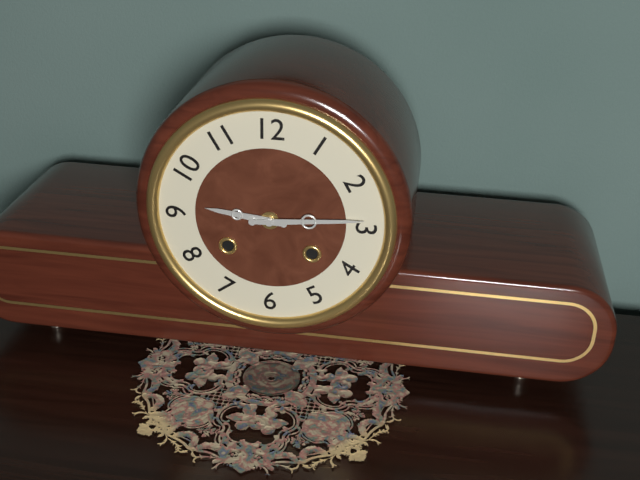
9:14
